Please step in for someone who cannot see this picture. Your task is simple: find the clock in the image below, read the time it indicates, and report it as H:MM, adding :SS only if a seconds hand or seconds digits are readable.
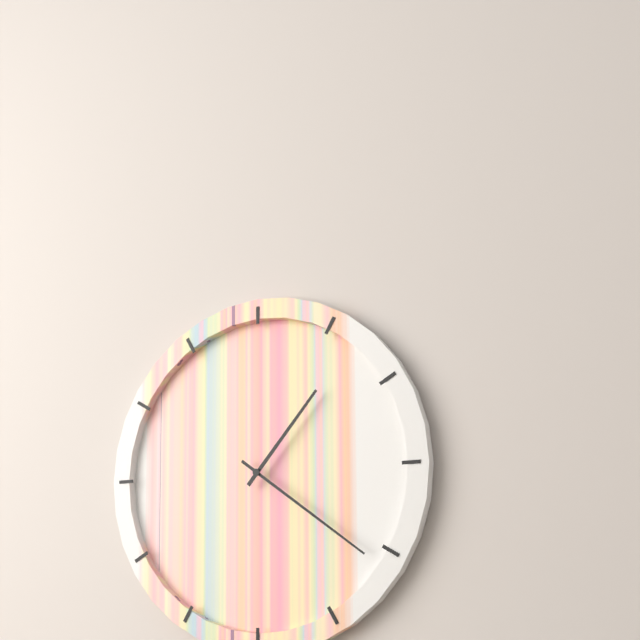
1:21
